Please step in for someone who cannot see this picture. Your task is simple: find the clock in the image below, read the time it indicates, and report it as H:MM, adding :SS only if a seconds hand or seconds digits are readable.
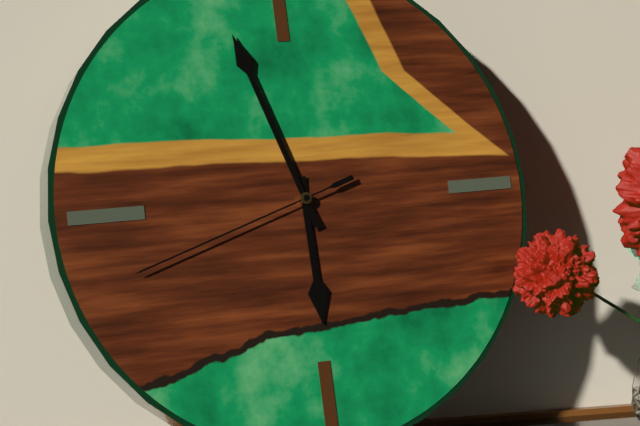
5:57:42
